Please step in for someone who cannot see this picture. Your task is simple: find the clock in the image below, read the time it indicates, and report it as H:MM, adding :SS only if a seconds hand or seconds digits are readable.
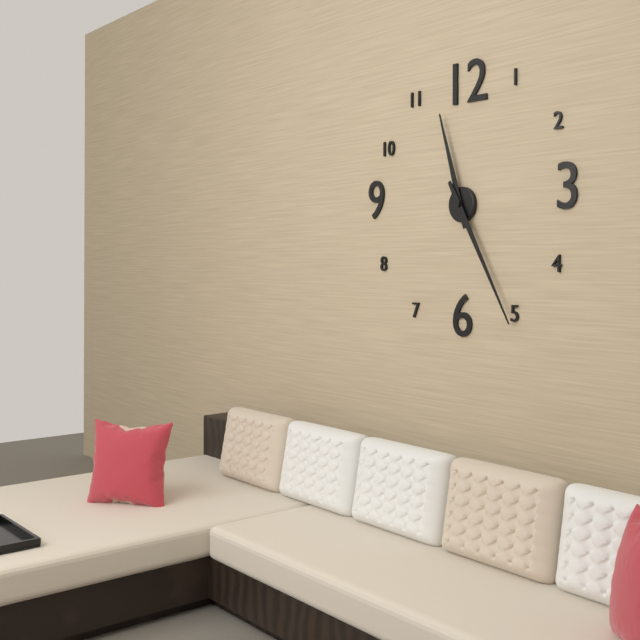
11:25
